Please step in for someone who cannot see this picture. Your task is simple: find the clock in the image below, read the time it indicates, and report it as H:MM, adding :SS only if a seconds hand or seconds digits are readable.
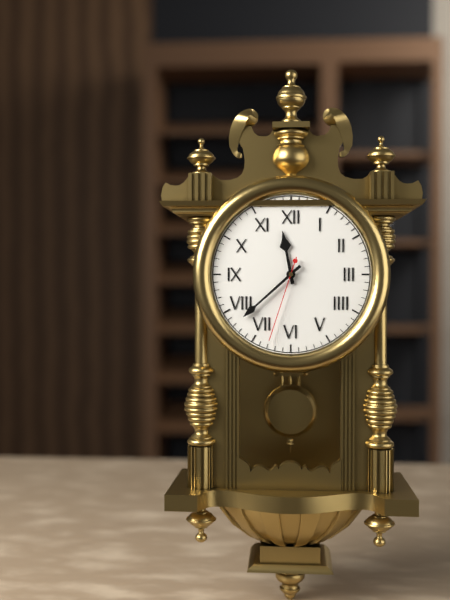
11:38:33
